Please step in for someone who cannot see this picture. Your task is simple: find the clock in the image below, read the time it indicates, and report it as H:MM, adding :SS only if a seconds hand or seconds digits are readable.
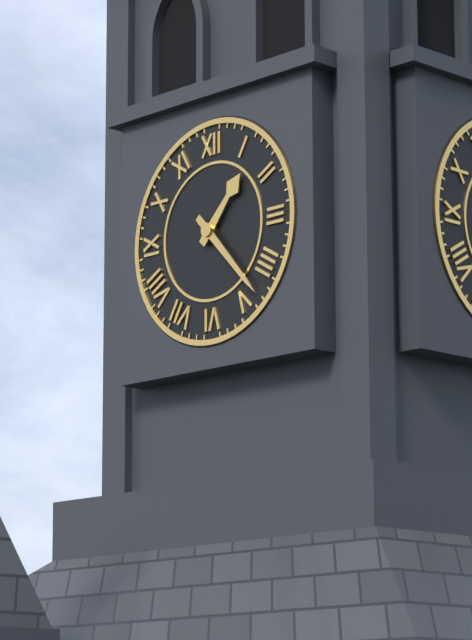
1:23
